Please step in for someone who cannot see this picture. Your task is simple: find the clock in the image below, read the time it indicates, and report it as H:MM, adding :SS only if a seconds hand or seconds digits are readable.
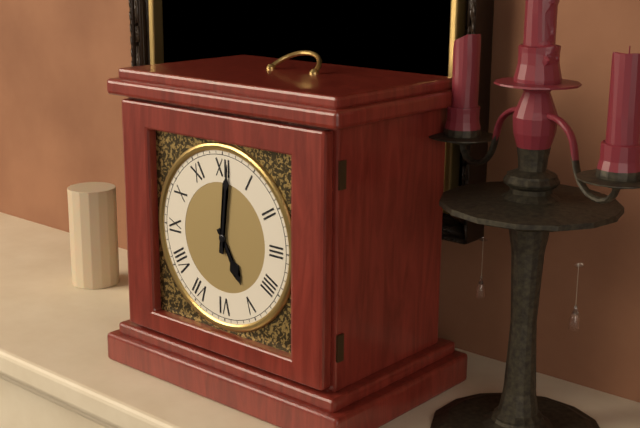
5:01
